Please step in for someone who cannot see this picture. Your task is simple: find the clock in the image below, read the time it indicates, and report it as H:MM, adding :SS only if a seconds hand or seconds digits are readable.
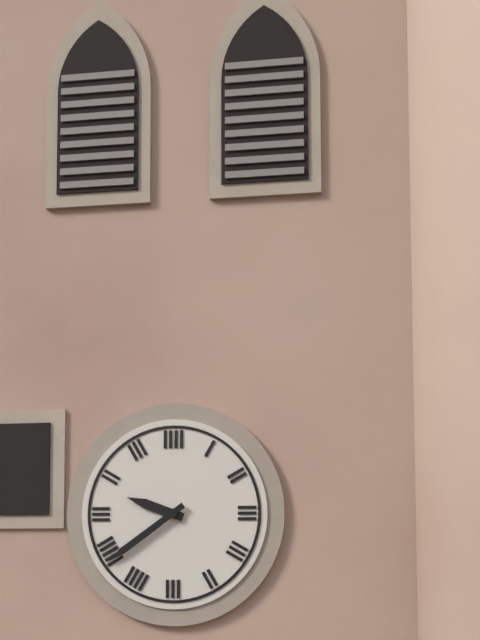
9:39
